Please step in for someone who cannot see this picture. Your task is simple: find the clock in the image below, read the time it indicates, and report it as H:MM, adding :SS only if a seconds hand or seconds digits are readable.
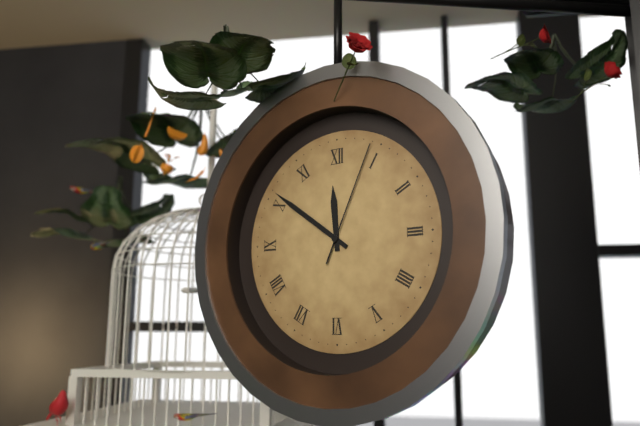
11:51:04
